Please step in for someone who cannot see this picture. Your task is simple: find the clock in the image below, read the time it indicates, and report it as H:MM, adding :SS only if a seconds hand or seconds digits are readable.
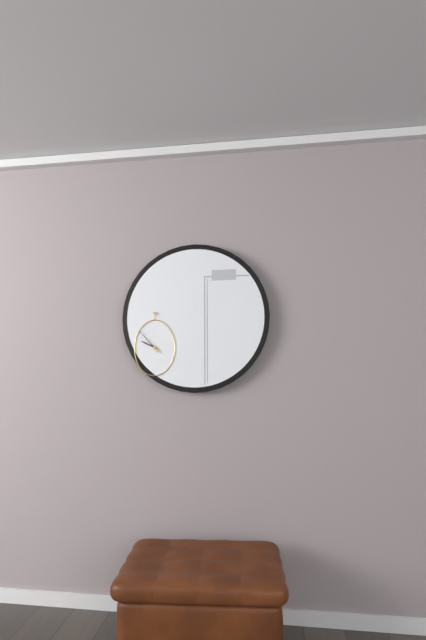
9:53
